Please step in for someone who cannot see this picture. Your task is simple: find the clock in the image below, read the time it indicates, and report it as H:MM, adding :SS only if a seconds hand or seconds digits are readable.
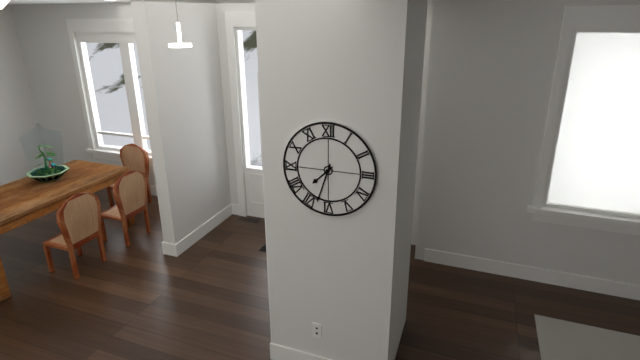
7:33
